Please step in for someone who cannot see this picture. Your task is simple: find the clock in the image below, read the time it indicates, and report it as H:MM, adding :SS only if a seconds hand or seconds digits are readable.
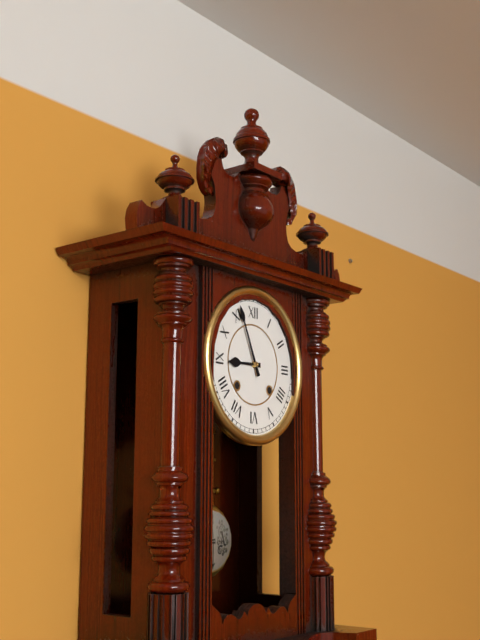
8:56
